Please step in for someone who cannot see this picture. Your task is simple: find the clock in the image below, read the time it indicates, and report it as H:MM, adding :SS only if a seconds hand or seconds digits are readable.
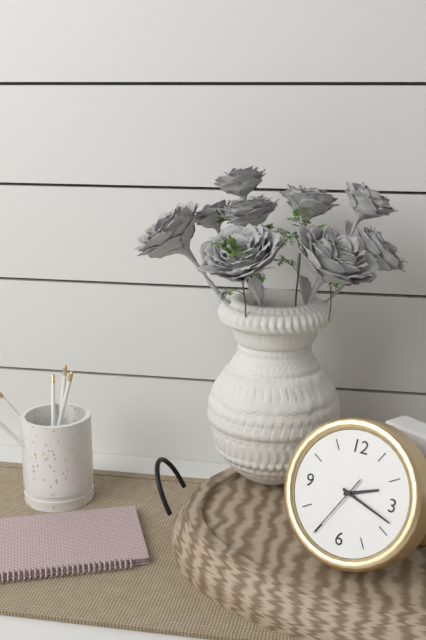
2:18:35
